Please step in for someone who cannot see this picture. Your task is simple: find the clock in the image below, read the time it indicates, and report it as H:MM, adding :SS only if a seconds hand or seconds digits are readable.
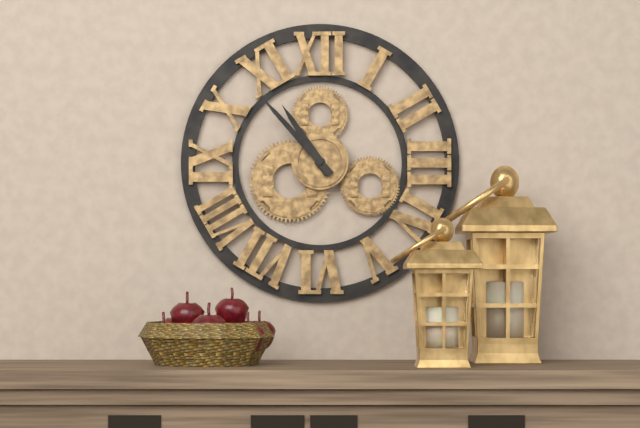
10:53
